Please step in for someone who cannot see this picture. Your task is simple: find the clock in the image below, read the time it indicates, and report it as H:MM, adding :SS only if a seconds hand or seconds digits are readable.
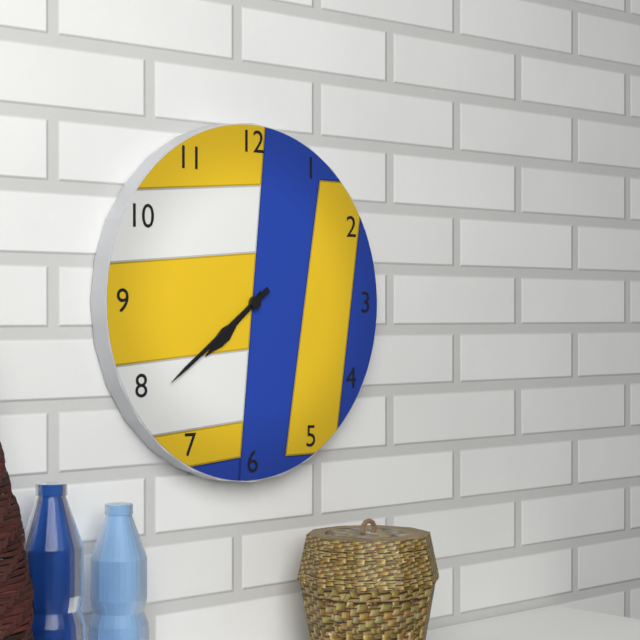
7:39
